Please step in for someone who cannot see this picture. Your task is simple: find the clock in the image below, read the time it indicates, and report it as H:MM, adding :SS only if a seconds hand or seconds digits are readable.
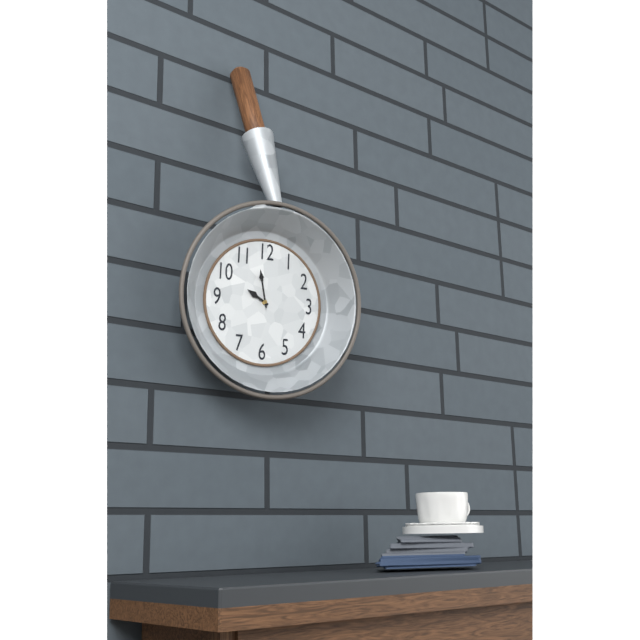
9:58
